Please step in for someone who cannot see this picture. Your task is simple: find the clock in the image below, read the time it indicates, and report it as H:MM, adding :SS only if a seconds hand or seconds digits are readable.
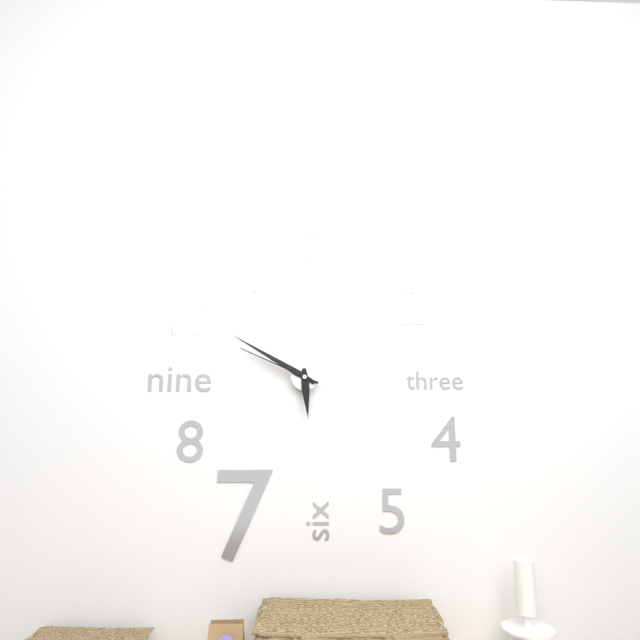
5:50:49
